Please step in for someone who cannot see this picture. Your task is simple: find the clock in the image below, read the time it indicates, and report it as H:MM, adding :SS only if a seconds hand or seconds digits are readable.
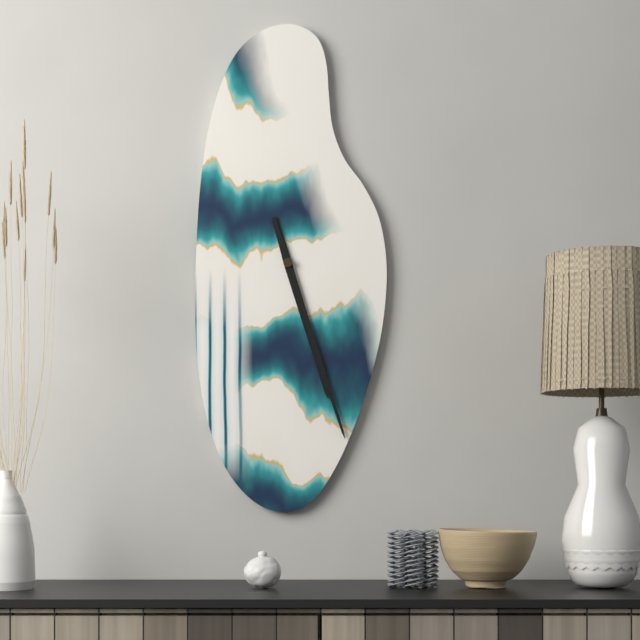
5:27
